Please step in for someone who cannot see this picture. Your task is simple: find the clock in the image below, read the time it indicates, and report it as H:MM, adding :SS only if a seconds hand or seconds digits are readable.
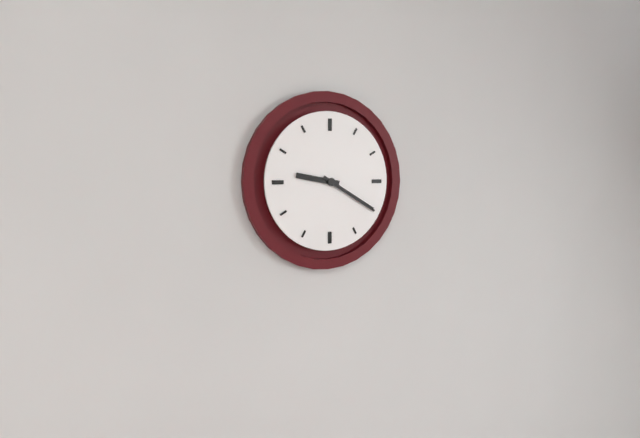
9:20
